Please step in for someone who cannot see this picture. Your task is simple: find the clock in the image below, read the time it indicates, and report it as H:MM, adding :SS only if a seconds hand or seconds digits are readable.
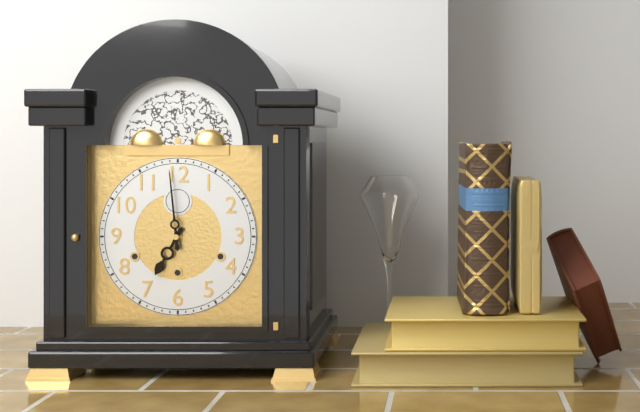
6:59
